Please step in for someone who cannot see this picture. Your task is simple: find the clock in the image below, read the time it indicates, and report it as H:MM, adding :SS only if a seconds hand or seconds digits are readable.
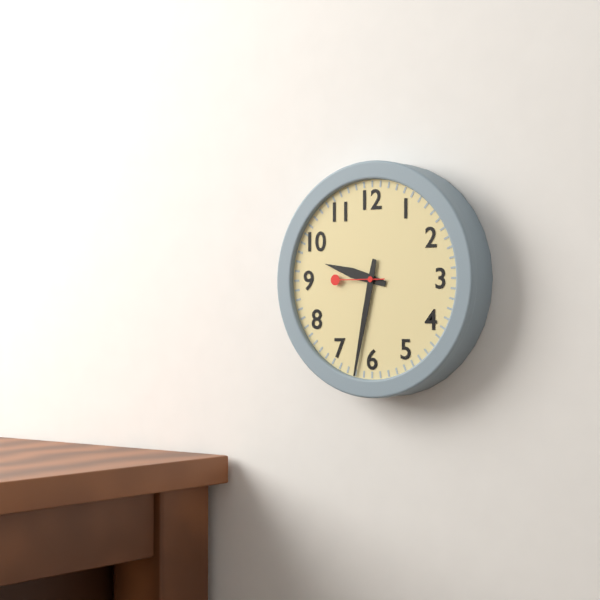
9:32:45
